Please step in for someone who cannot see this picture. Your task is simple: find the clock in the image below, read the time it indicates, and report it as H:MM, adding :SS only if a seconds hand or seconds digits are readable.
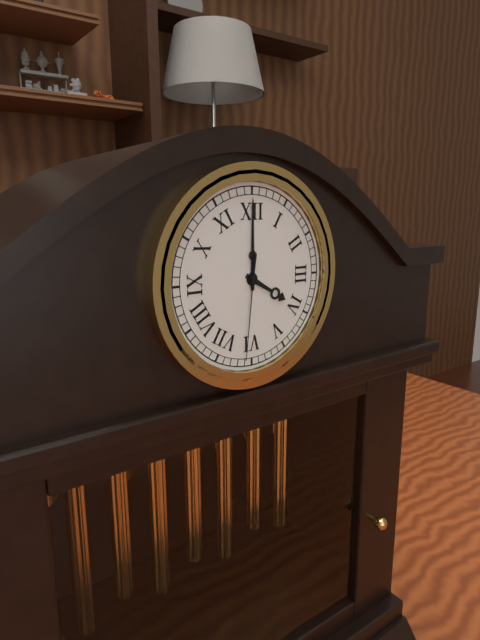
4:00:31
